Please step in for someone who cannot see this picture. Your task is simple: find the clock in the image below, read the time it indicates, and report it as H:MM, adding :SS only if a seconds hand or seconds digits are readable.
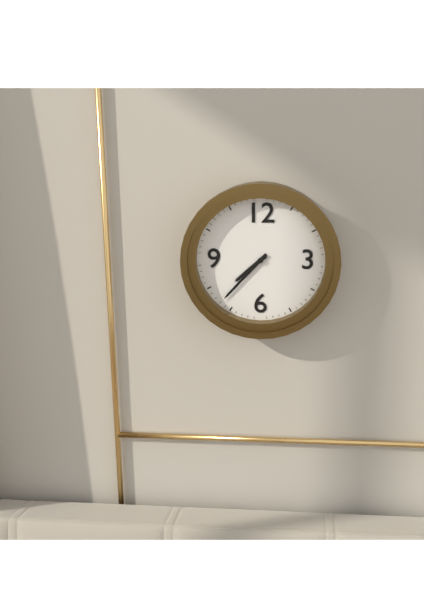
7:37
